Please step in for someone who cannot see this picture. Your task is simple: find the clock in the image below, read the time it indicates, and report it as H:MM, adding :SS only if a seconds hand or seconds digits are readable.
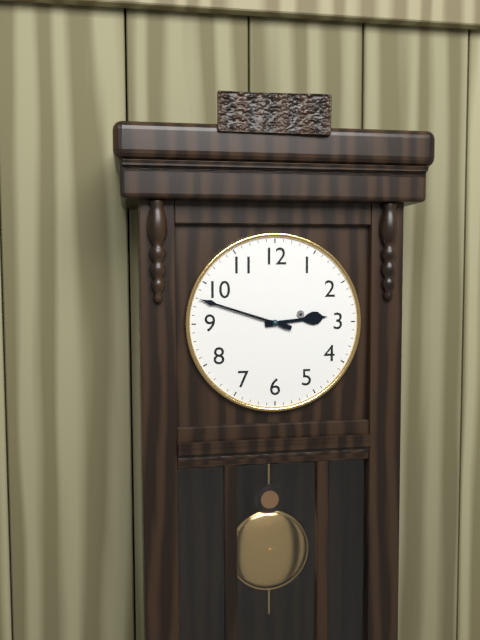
2:48
